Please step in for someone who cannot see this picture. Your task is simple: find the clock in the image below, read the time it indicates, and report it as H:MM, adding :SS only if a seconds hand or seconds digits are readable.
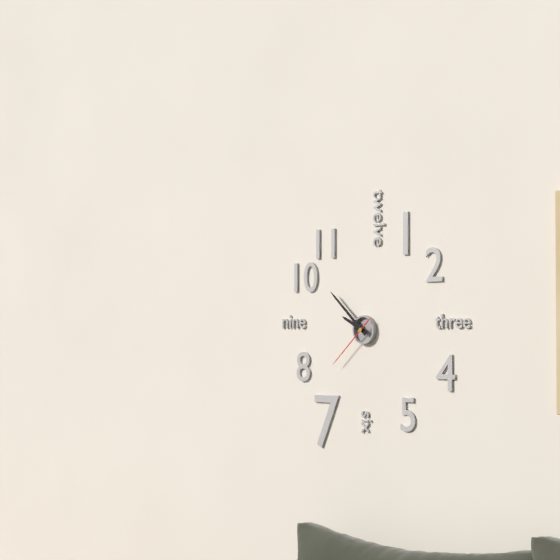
9:52:38
